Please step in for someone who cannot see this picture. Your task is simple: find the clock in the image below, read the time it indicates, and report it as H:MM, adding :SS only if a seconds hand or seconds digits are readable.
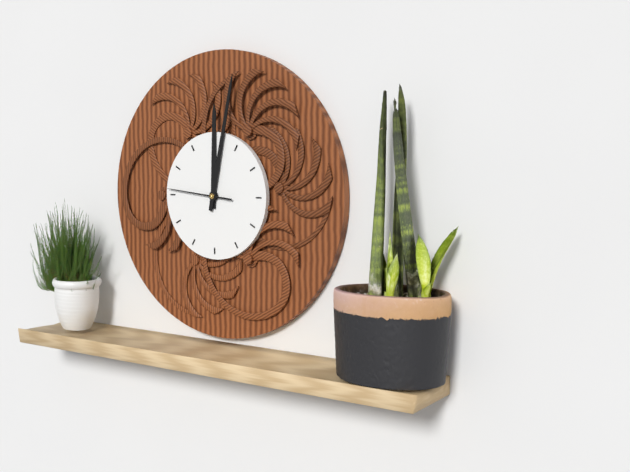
12:02:46
